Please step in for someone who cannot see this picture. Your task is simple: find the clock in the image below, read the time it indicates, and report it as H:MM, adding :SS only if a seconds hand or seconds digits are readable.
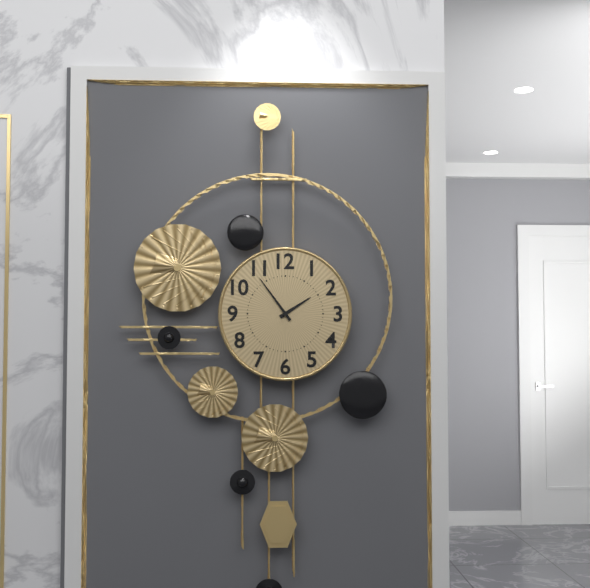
1:54
